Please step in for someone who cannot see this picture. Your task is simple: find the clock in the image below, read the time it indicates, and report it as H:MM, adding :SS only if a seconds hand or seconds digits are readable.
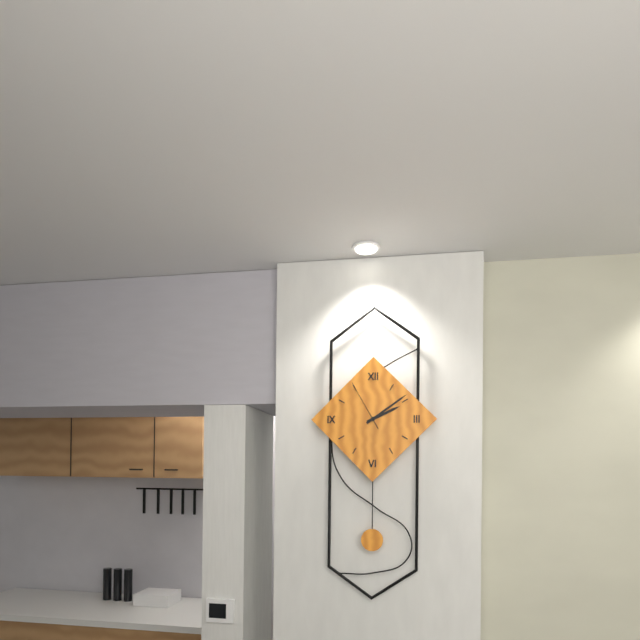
2:09:55
